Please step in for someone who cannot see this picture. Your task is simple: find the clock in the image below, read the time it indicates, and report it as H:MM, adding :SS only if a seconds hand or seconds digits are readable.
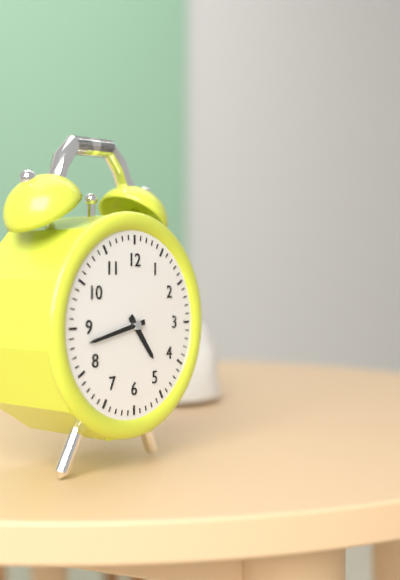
4:43
